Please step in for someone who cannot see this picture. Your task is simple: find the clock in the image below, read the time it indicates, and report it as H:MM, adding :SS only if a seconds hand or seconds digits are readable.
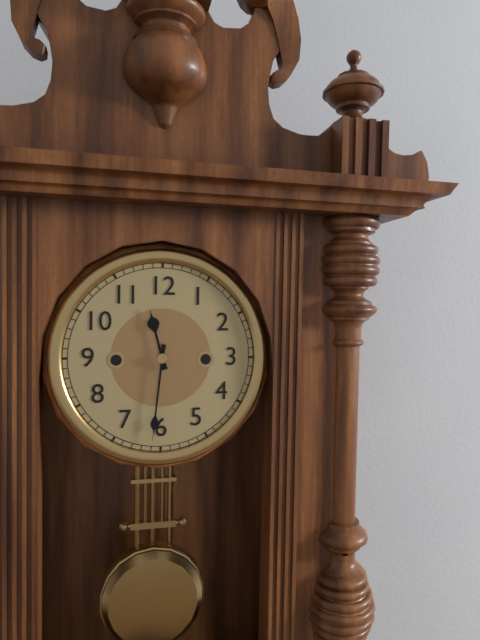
11:31
